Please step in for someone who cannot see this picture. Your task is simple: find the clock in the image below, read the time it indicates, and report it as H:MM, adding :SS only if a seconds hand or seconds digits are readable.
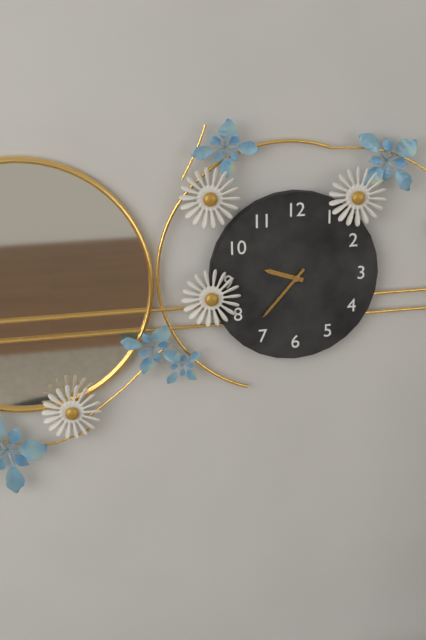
9:37
